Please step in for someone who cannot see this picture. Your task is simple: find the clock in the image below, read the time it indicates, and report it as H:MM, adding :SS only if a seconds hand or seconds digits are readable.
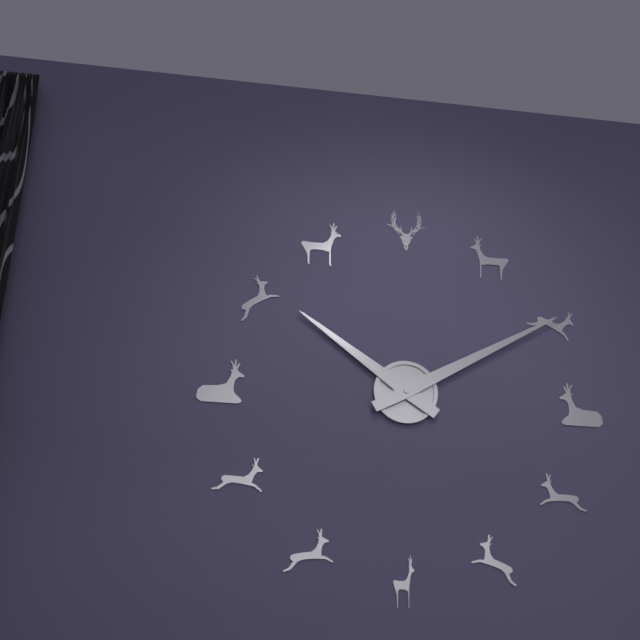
10:10
